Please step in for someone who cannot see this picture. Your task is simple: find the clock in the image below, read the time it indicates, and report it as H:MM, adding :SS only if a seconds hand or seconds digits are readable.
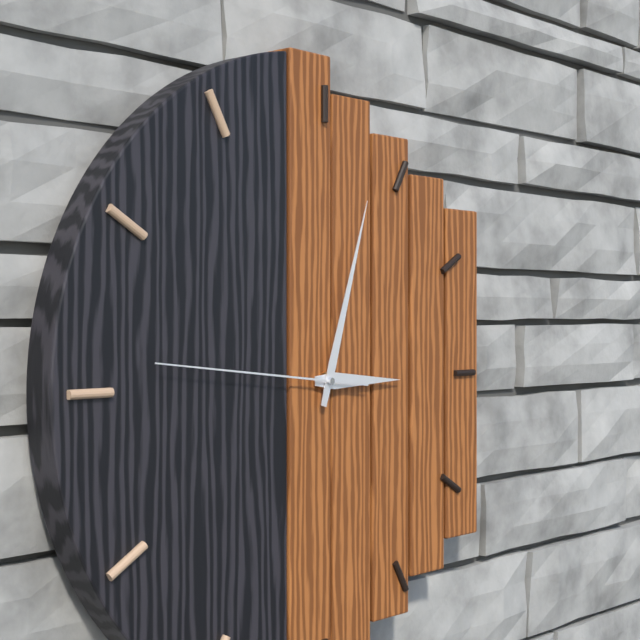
3:03:46
